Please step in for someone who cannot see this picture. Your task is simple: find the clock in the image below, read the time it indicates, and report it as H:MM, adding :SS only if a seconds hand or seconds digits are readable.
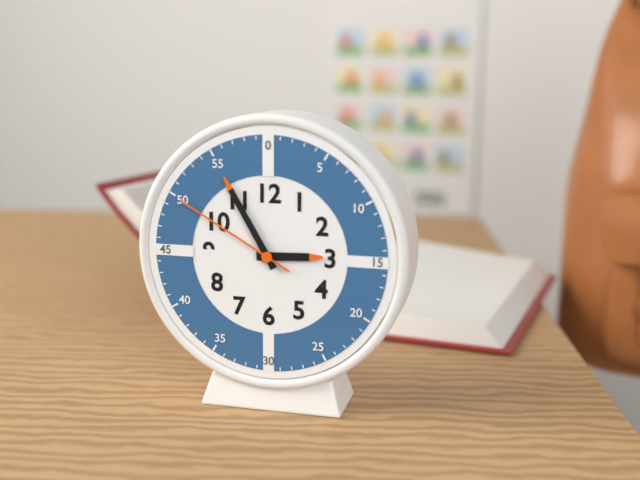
2:55:50
